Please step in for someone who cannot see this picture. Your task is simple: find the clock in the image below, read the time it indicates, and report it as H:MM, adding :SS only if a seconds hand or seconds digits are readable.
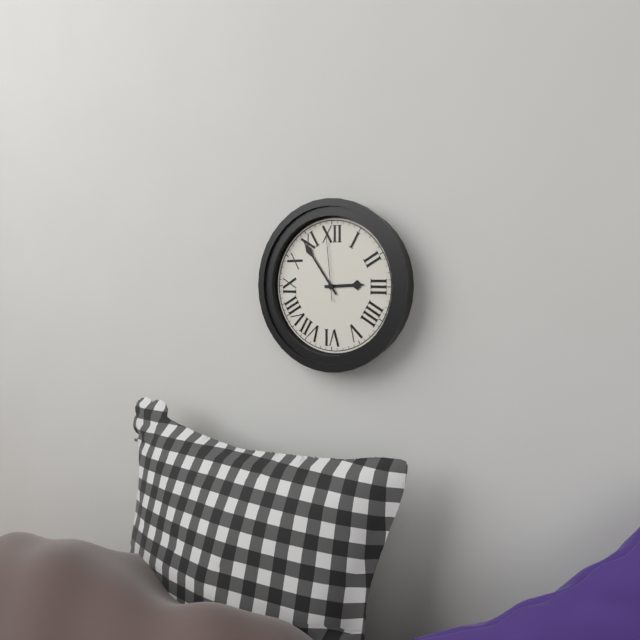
2:54:59
